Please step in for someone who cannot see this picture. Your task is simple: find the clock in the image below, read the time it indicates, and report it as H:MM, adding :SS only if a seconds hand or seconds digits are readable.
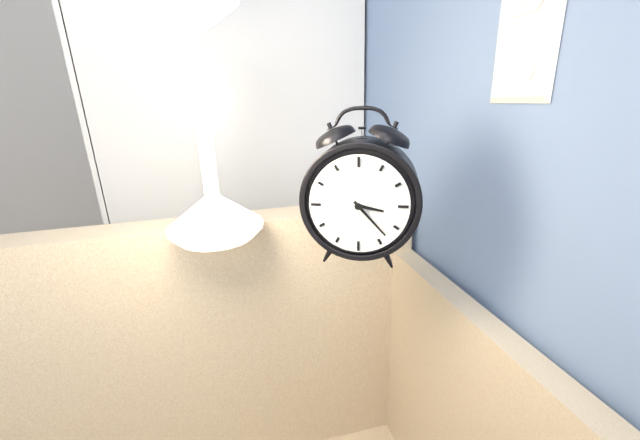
3:23
